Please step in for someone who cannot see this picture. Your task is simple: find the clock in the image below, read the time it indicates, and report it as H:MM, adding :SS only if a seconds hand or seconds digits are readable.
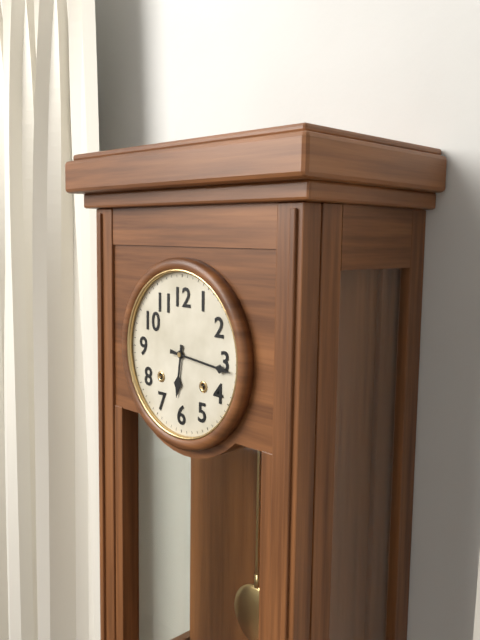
6:16
